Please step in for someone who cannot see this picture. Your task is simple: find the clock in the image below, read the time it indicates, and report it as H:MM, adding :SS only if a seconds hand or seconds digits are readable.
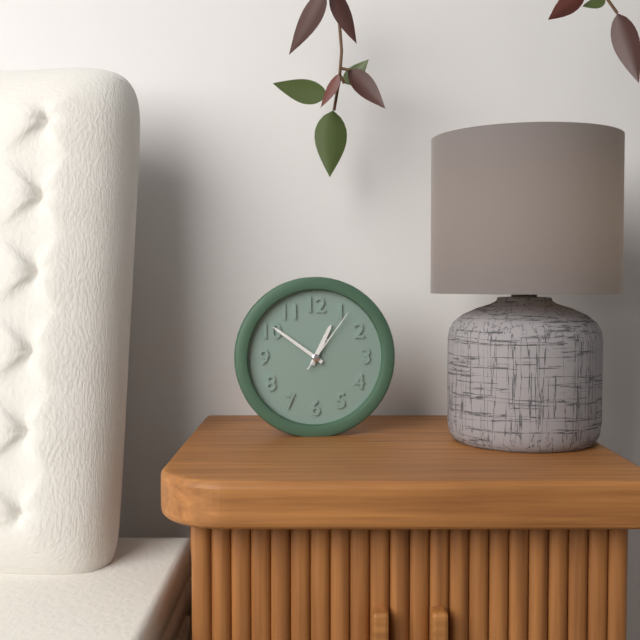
12:51:06
